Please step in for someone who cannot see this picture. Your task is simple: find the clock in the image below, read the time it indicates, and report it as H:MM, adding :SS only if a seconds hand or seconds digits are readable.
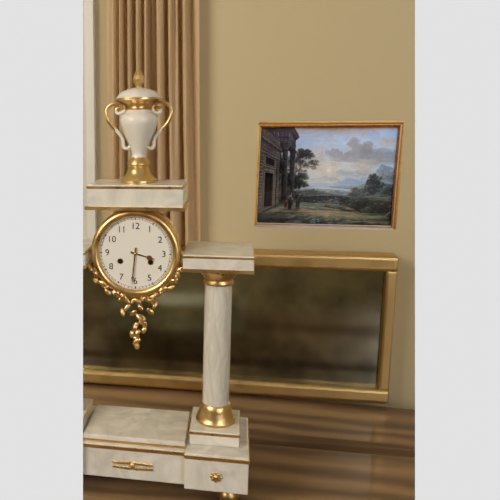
3:31
